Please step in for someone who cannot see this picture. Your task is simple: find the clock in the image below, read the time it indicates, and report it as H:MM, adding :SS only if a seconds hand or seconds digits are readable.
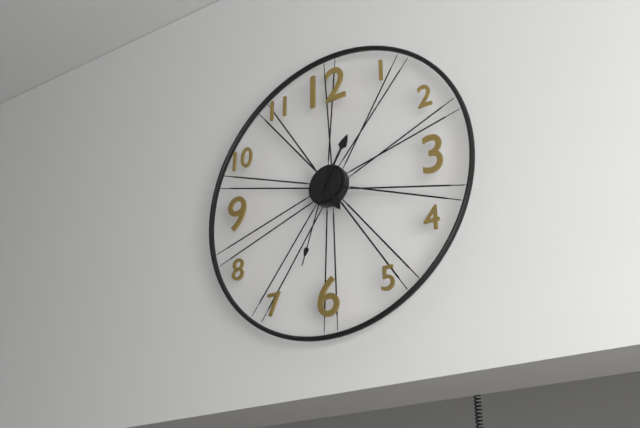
5:05:33
